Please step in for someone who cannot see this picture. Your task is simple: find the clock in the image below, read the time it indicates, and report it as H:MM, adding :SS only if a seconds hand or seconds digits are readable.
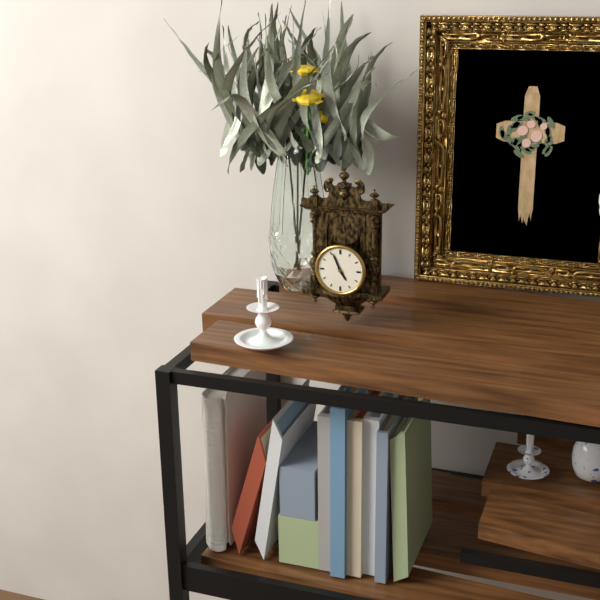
4:56
